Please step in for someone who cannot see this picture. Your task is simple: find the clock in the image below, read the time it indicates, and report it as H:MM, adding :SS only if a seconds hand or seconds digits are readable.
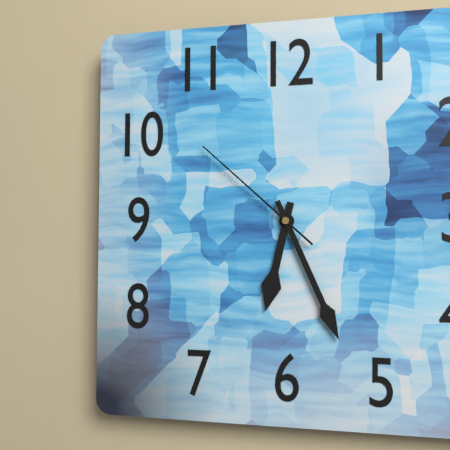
6:26:52
